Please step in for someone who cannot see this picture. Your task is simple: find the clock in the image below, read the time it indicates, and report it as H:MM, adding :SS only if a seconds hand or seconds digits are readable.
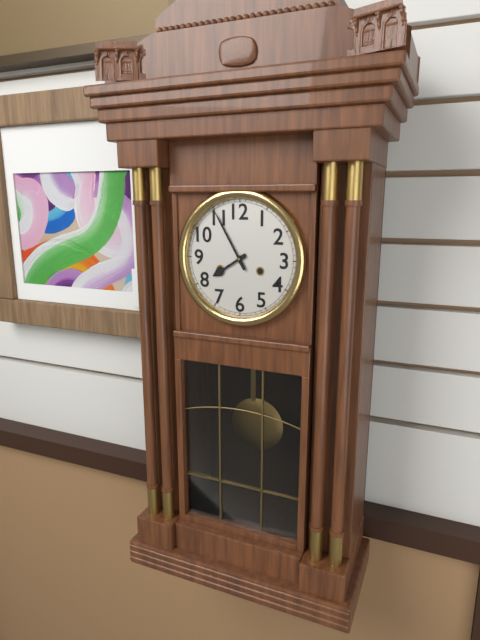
7:55
